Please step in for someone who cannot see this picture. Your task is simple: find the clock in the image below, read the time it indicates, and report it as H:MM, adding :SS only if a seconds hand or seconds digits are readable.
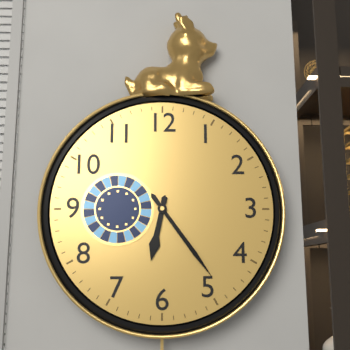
6:24
